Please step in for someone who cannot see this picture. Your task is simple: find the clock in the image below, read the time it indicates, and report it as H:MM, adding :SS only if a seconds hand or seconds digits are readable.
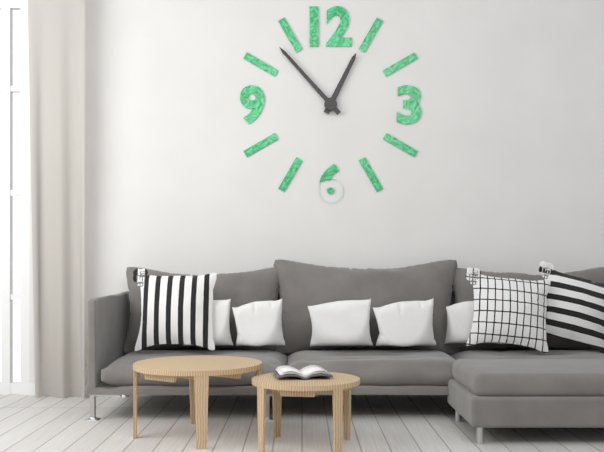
12:53
